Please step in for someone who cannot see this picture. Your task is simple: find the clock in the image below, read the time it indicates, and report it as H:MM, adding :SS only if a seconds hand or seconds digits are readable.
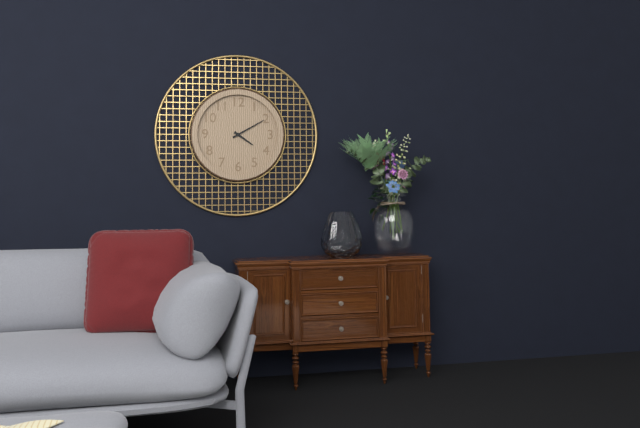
4:10
